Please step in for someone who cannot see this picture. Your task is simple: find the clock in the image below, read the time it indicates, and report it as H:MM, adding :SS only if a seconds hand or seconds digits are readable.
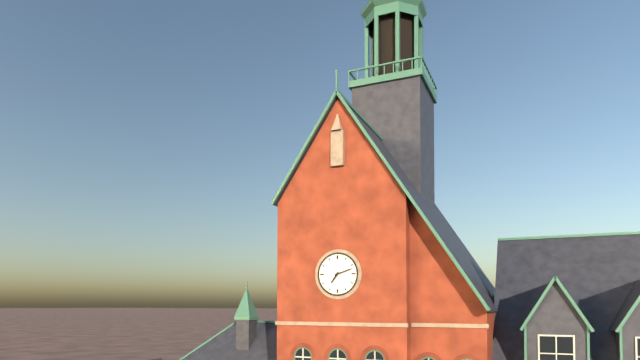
7:12
